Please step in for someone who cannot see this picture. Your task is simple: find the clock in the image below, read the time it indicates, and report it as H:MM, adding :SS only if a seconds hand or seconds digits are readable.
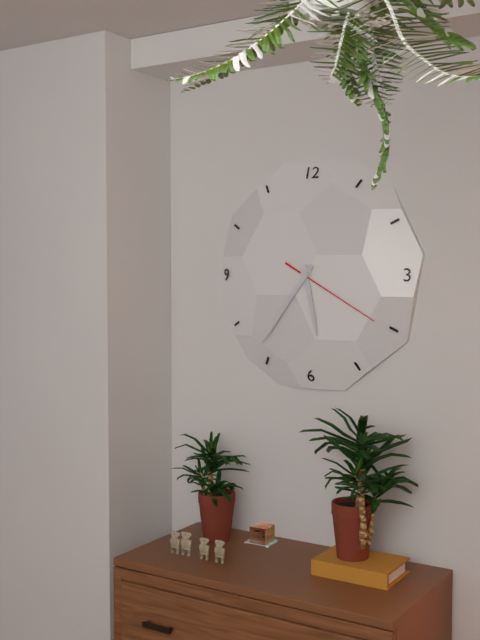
5:36:20
